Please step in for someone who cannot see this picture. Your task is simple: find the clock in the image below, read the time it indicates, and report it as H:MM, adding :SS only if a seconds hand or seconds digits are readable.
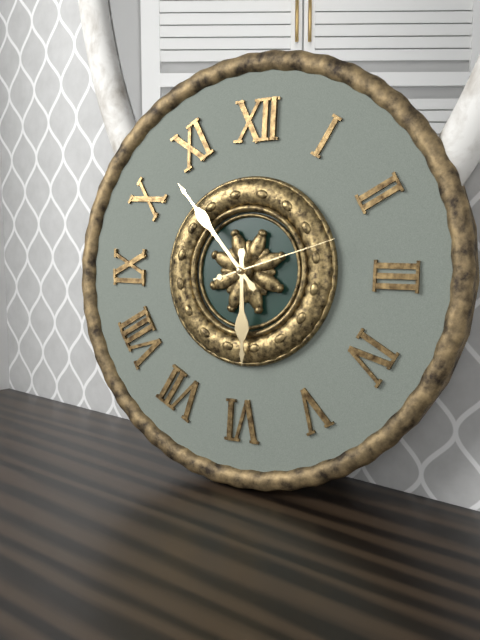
5:53:12
